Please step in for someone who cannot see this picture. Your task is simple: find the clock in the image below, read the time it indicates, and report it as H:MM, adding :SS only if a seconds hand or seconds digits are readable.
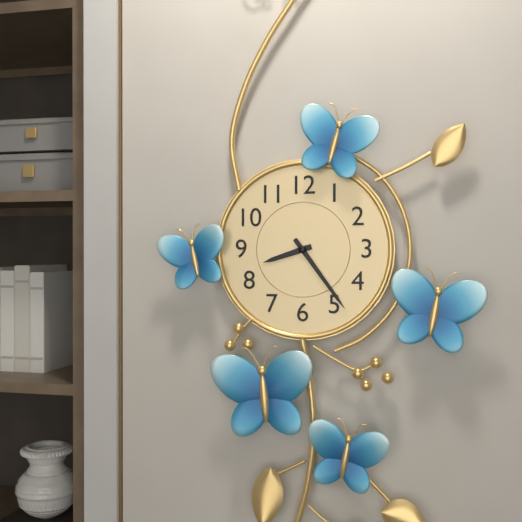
8:24
